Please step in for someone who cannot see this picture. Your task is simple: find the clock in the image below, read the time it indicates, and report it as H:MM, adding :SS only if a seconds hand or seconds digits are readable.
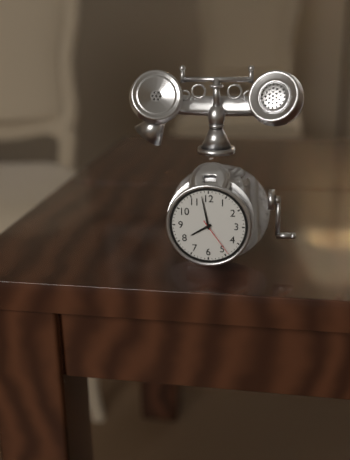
7:58
